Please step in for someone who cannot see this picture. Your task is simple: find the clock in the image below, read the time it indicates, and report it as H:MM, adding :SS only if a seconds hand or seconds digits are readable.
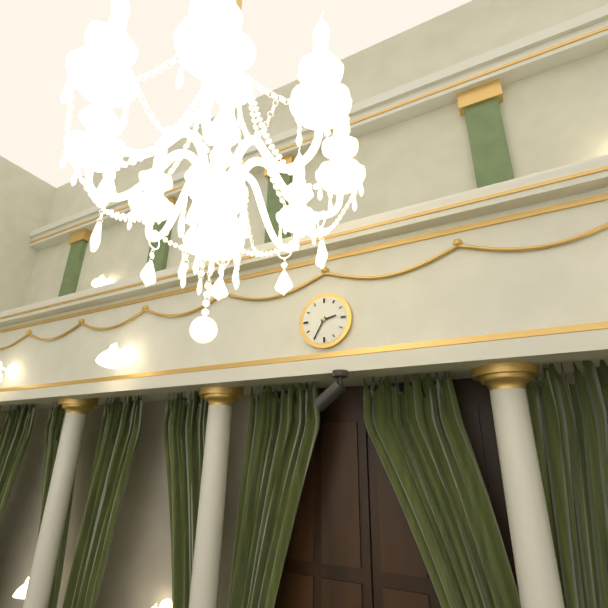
2:35
